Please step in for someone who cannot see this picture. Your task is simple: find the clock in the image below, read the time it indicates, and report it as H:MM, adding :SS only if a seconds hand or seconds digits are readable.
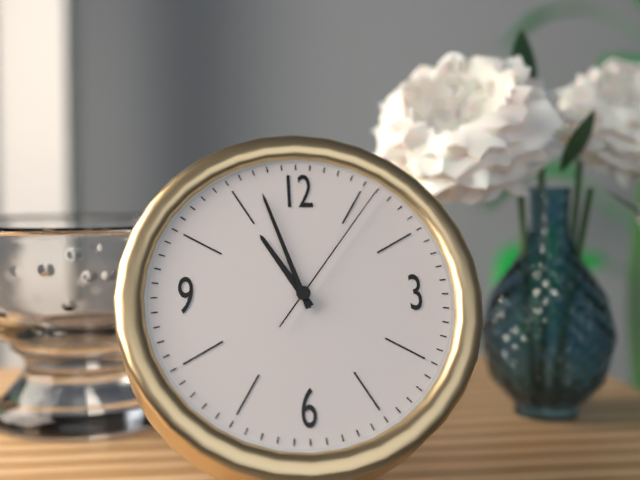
10:57:06
